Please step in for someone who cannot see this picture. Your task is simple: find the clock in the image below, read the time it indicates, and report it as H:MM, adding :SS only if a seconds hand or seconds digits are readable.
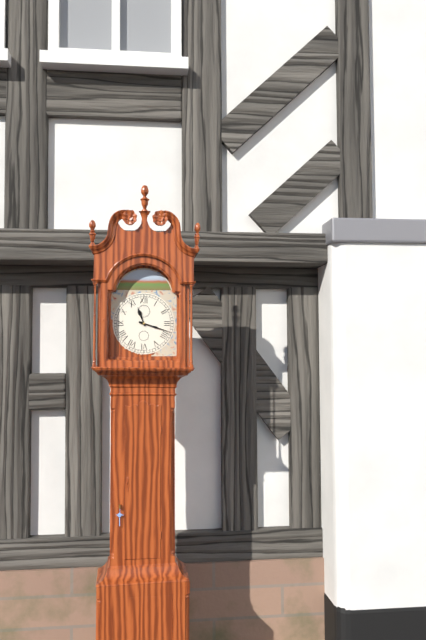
11:18
